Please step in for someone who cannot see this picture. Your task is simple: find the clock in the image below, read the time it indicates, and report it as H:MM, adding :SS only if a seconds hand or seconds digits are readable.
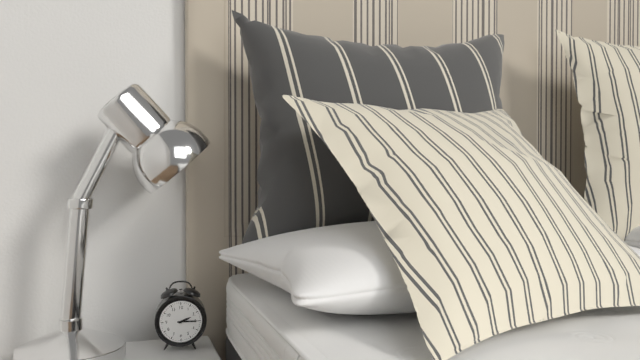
2:15
